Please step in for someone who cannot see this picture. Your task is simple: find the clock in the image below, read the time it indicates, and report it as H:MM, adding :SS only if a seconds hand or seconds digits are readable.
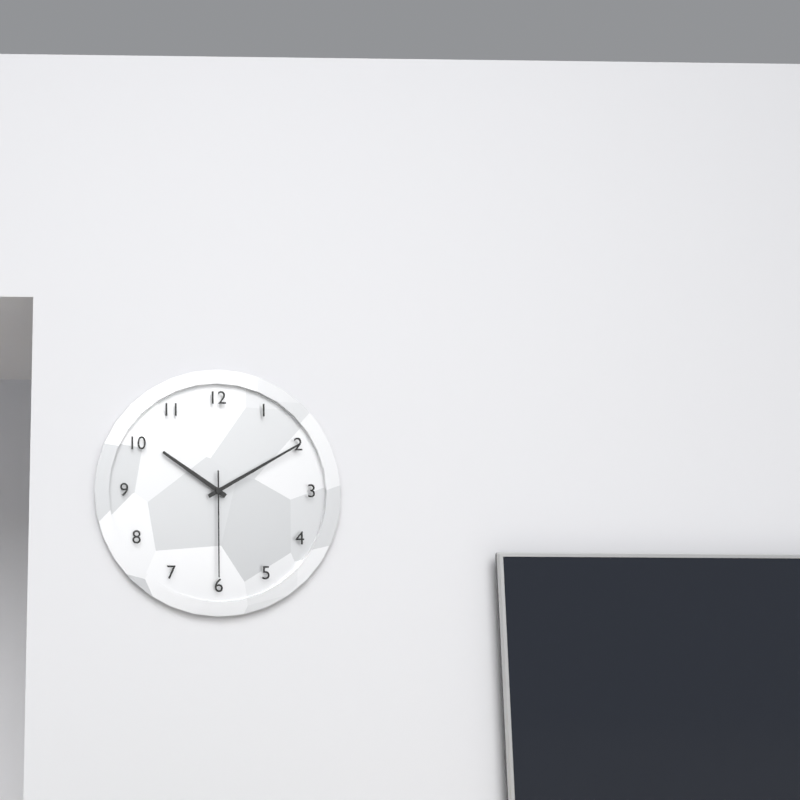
10:10:30
